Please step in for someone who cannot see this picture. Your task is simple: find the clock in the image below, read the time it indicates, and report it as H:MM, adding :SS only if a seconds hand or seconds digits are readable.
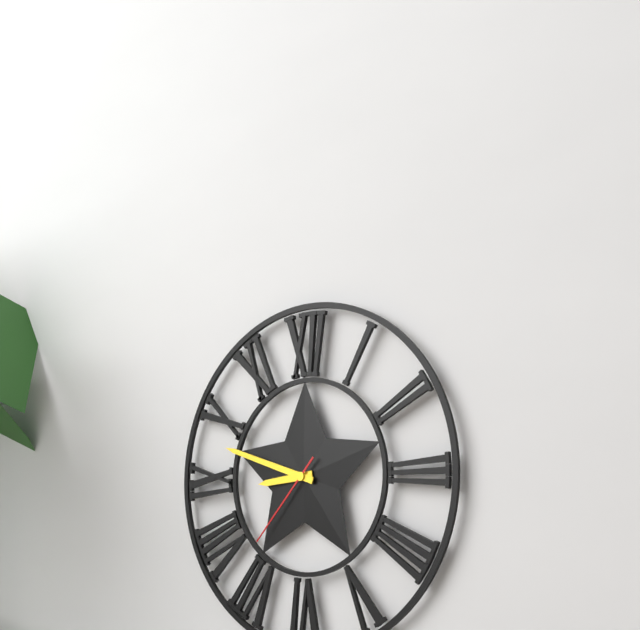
8:48:37
